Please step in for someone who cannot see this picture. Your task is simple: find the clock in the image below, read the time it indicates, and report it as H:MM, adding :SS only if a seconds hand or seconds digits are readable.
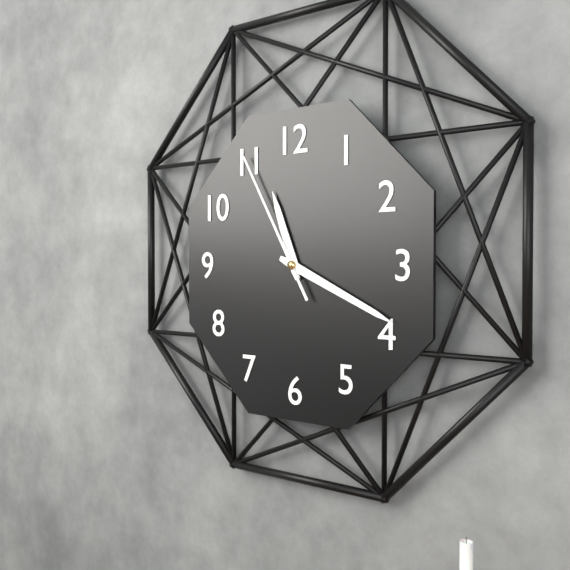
11:19:55
